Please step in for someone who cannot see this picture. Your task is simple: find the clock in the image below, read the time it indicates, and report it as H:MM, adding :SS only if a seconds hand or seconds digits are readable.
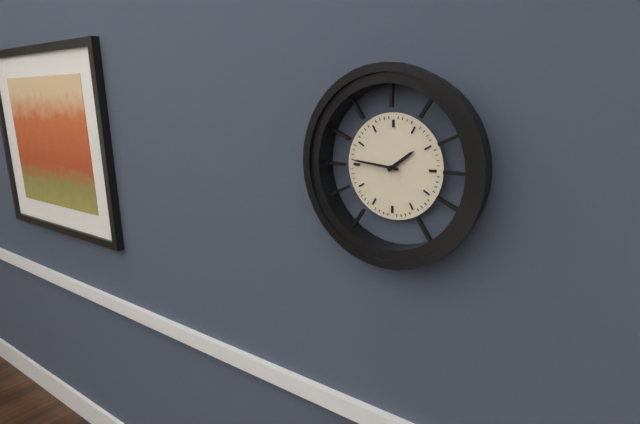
1:46
